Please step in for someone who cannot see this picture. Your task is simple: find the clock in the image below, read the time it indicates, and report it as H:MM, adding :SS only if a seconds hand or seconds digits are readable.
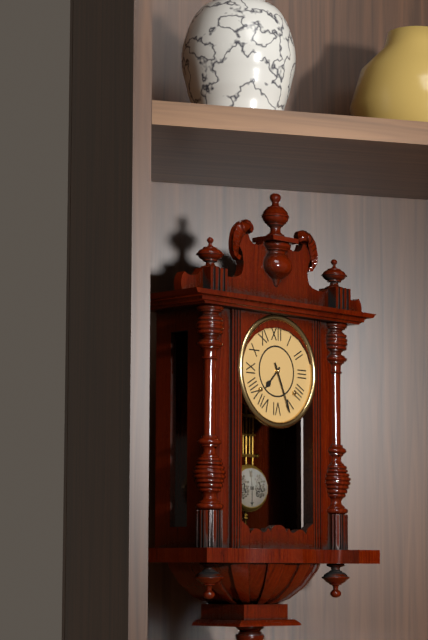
7:26
